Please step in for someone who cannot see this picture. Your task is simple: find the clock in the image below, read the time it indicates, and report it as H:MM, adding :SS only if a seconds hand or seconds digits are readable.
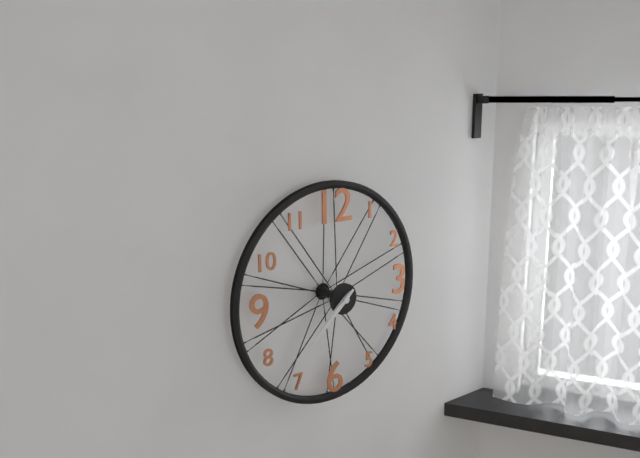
7:38
